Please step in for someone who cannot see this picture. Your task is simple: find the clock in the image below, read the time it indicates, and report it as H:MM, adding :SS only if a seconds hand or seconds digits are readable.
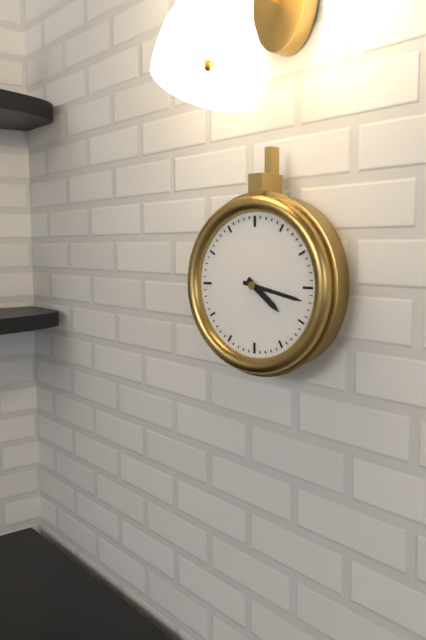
4:17
